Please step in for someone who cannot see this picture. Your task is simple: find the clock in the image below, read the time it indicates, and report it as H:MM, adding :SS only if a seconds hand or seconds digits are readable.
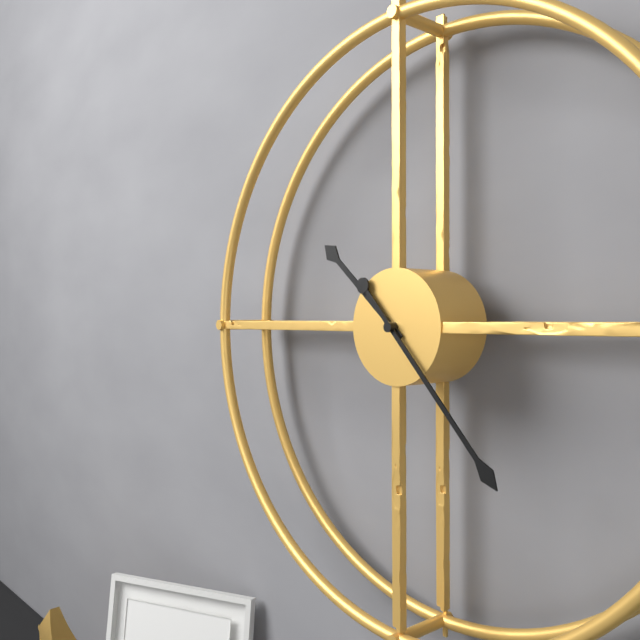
10:23
